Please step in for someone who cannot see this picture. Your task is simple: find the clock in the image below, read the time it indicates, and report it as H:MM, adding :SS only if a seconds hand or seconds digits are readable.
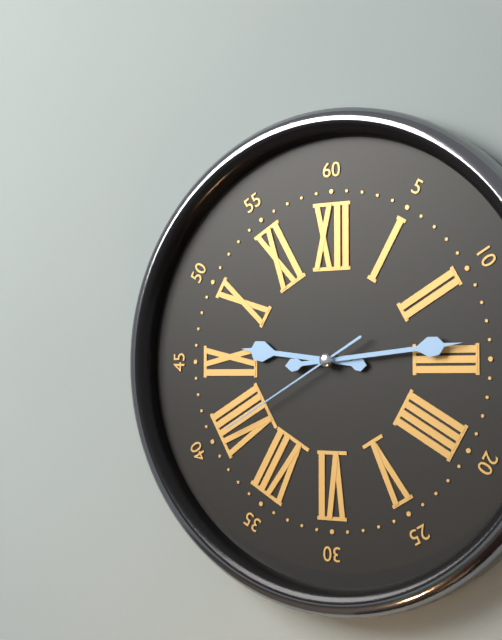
9:14:40
